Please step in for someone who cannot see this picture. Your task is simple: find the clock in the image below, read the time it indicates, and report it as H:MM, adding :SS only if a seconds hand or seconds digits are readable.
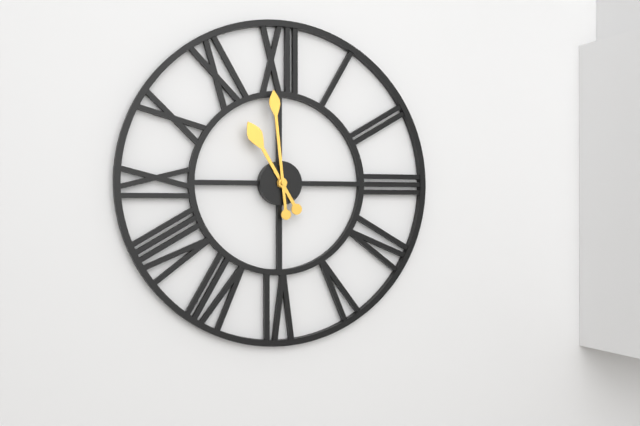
10:59
